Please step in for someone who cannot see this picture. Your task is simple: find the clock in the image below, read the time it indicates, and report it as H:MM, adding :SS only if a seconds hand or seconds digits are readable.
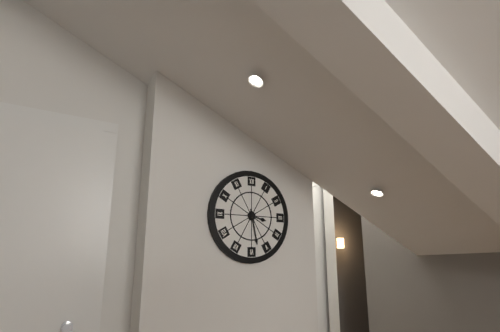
3:28
